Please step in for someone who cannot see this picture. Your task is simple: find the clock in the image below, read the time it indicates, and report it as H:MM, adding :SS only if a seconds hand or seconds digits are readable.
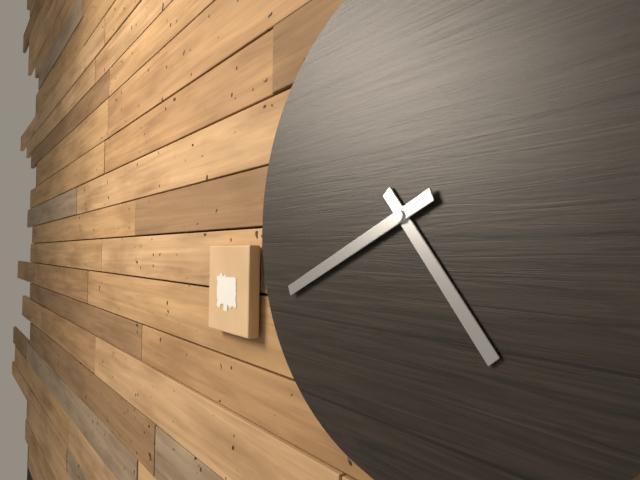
4:41
